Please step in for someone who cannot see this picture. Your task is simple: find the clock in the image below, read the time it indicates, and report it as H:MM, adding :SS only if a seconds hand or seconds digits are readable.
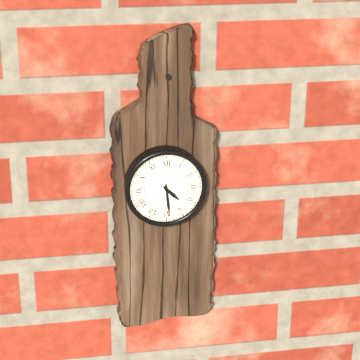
4:29
